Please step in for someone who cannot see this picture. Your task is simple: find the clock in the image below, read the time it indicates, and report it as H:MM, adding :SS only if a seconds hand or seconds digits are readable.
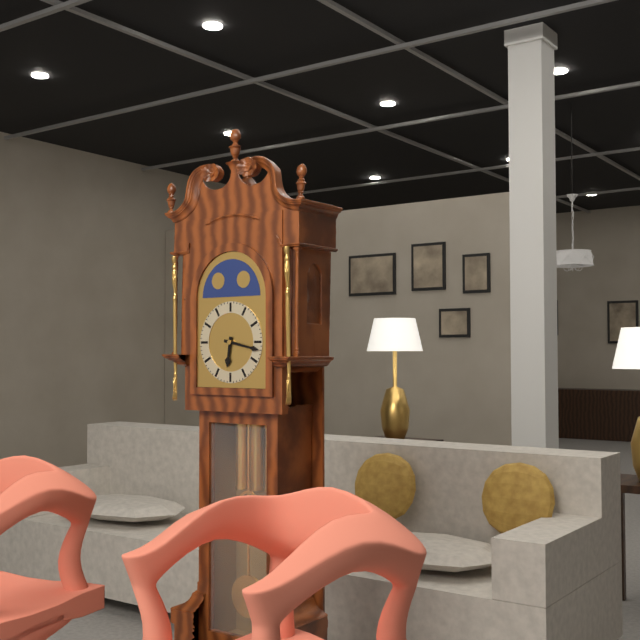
6:17
